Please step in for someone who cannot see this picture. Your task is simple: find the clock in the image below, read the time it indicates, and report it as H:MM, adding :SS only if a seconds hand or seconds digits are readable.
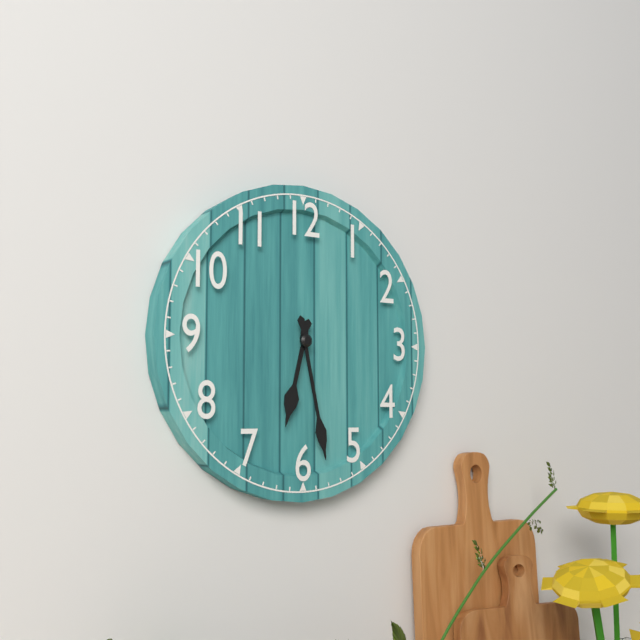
6:28
